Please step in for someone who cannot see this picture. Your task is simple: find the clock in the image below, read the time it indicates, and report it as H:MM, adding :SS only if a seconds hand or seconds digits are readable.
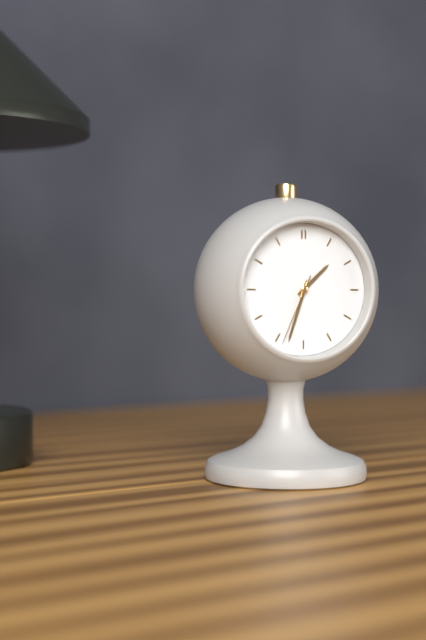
1:33:34
